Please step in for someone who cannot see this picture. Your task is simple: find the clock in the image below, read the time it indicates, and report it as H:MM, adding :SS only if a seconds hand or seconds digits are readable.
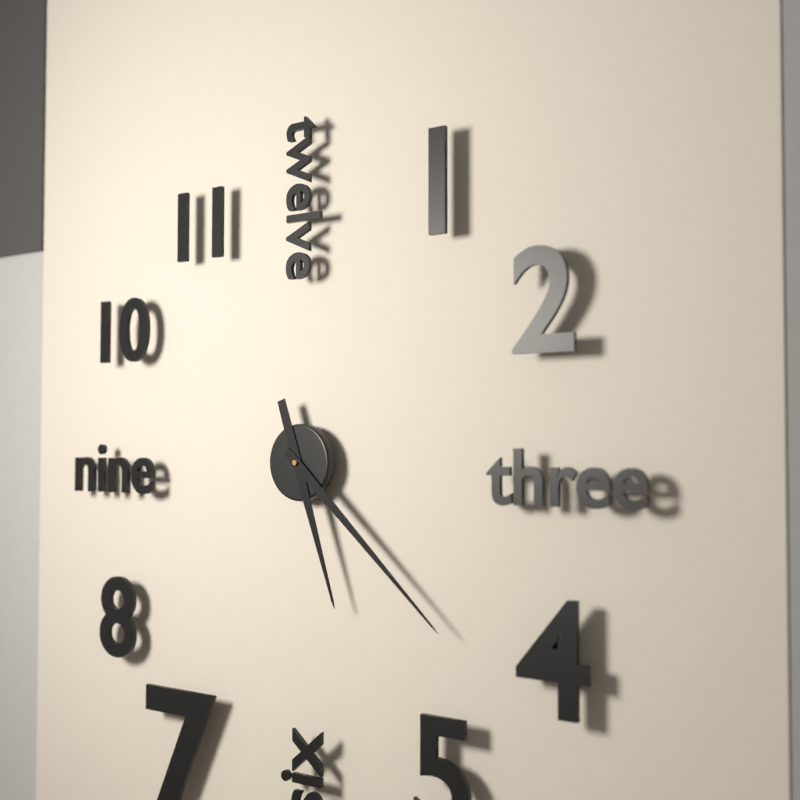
5:22
